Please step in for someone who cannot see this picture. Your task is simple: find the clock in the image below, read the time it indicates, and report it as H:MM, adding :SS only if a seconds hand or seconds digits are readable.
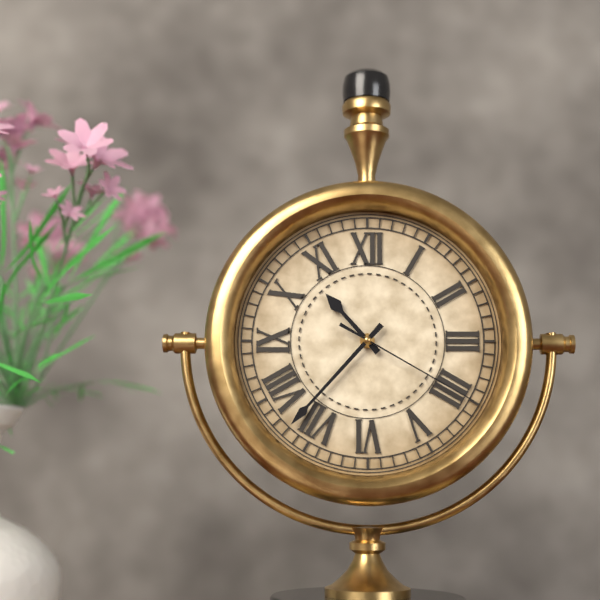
10:37:20
